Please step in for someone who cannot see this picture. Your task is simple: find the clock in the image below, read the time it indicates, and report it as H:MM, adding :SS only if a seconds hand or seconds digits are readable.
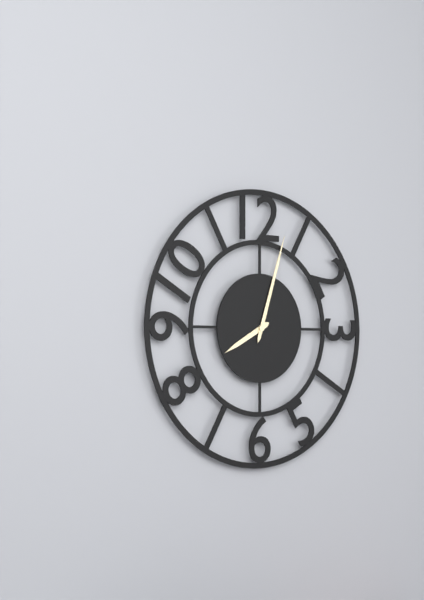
8:03
